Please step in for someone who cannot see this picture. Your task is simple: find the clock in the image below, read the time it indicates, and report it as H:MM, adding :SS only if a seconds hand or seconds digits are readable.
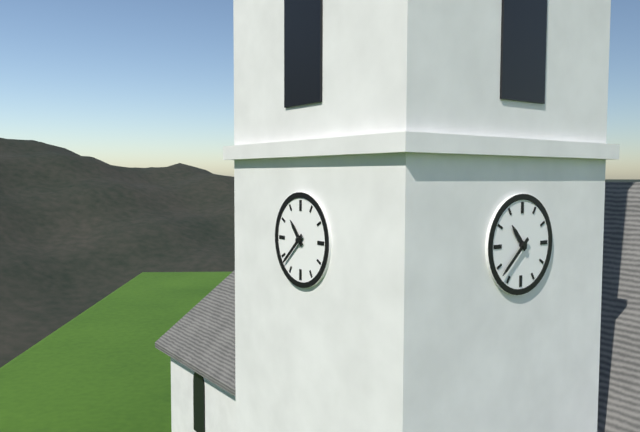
10:38
